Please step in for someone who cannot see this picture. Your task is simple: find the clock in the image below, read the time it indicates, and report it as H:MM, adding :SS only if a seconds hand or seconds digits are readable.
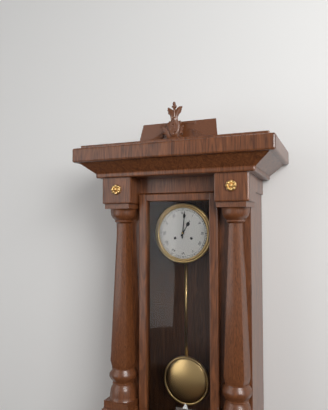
1:01
